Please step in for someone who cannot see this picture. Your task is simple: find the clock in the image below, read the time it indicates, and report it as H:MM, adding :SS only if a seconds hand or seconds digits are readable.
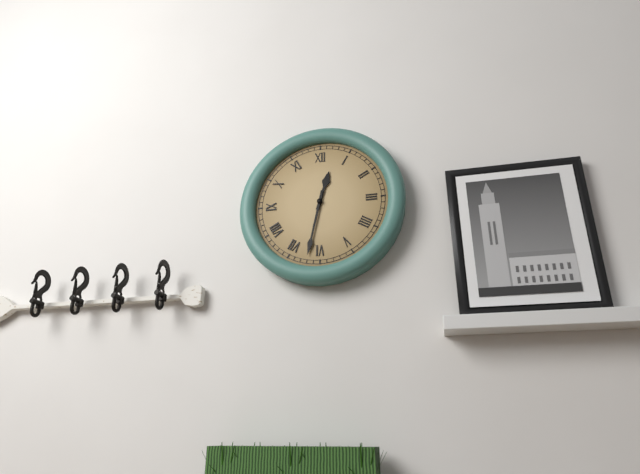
12:32
